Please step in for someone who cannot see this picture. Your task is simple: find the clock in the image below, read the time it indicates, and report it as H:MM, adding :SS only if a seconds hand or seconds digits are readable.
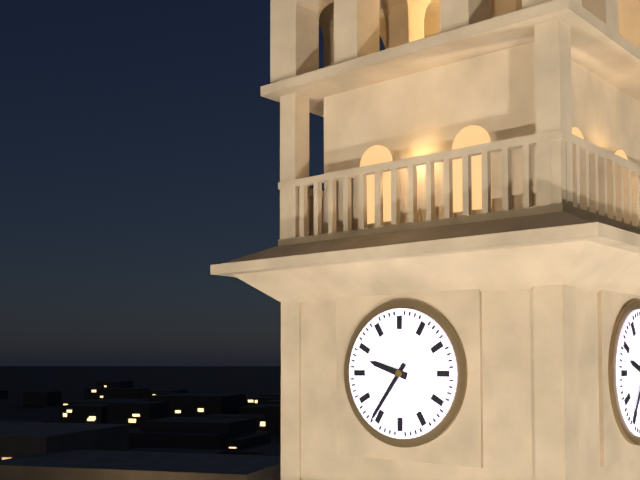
9:36
